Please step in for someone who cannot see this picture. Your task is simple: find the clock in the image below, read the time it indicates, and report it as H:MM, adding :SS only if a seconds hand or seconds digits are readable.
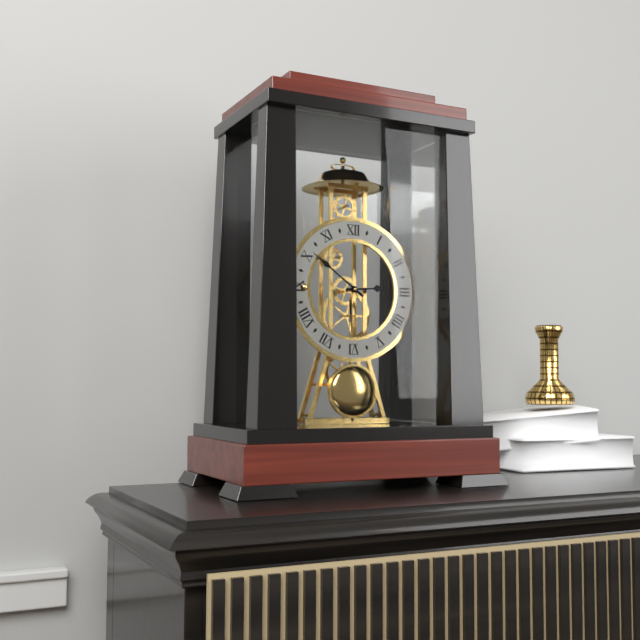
2:51
